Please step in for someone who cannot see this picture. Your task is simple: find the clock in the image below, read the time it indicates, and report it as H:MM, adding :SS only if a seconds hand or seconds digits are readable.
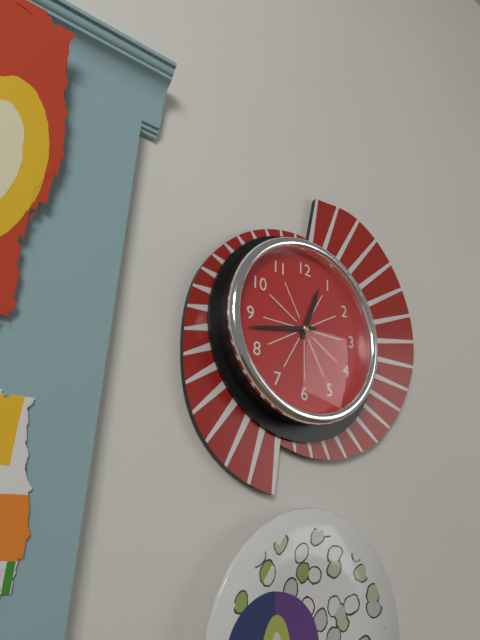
12:43
